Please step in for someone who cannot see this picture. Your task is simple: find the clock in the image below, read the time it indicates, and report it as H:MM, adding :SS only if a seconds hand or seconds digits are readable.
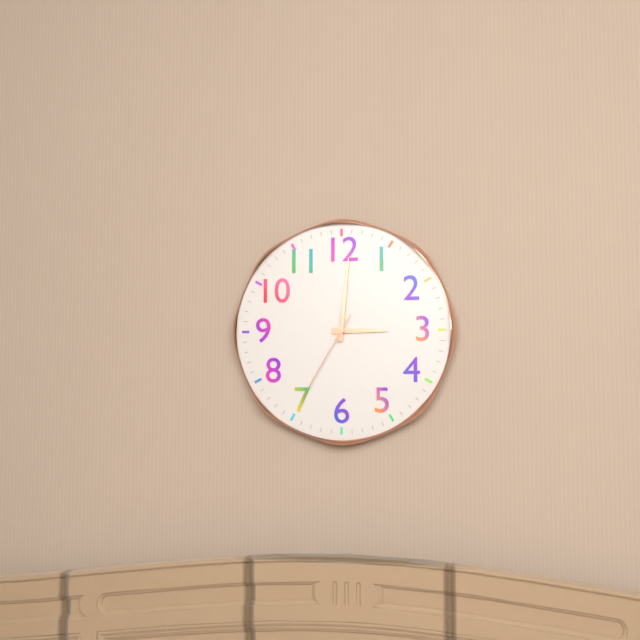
3:01:35
